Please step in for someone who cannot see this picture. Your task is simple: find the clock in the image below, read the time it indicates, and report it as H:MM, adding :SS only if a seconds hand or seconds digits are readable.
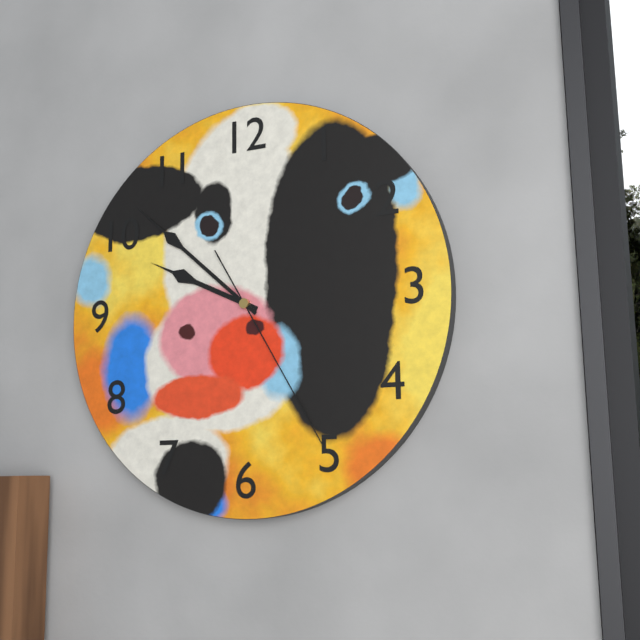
9:52:25
